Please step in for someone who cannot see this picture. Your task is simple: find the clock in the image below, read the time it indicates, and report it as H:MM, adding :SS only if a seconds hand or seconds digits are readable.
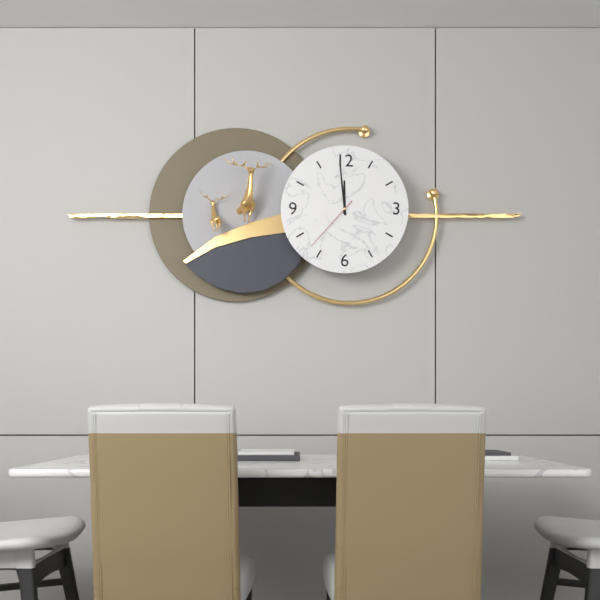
11:59:37
